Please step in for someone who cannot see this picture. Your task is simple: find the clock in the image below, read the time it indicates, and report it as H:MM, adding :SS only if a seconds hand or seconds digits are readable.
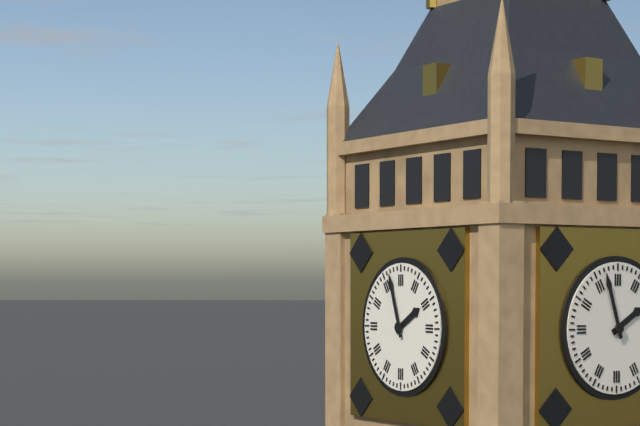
1:57
